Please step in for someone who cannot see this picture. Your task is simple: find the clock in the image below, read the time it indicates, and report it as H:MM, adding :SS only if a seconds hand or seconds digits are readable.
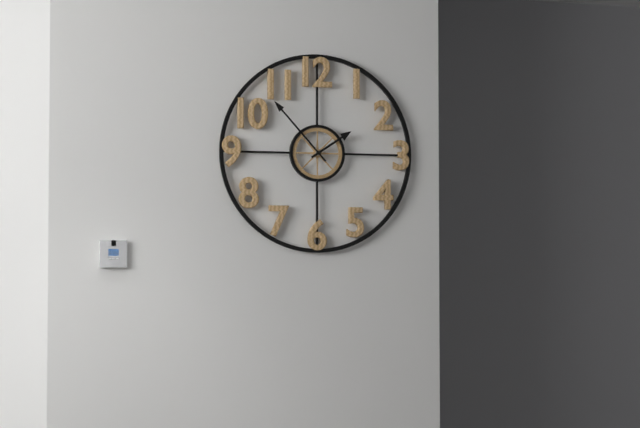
1:53
